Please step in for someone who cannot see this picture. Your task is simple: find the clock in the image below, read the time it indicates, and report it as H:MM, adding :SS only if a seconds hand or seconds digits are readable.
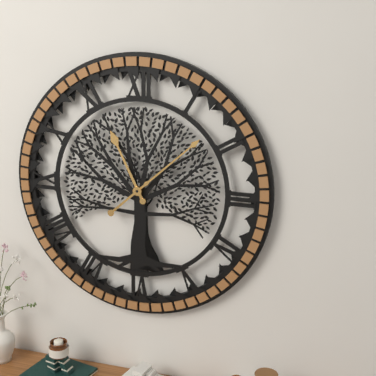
11:08
